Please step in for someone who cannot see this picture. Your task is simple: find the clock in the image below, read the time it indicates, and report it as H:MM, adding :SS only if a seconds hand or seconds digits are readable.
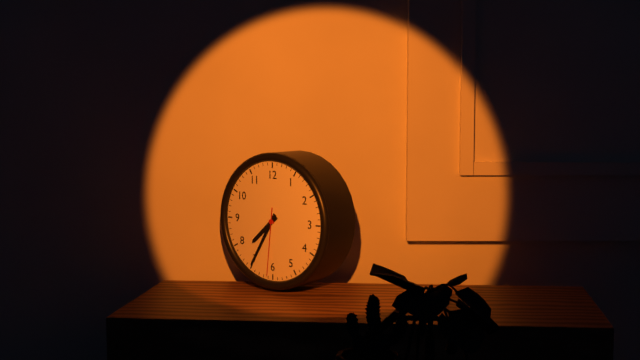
7:35:31
